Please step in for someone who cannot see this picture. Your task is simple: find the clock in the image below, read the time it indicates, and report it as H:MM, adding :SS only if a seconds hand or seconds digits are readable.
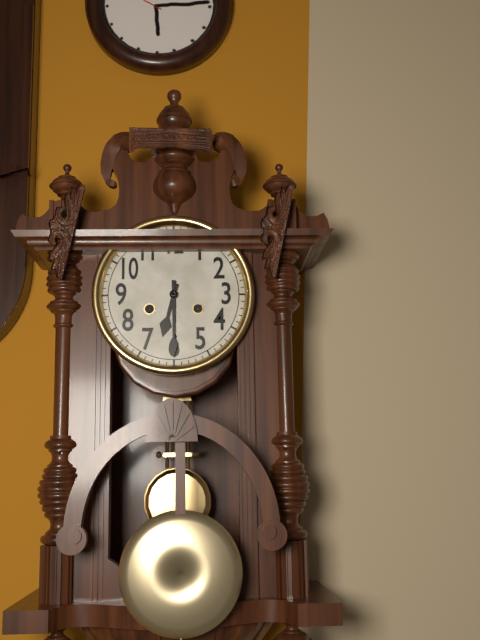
6:30
